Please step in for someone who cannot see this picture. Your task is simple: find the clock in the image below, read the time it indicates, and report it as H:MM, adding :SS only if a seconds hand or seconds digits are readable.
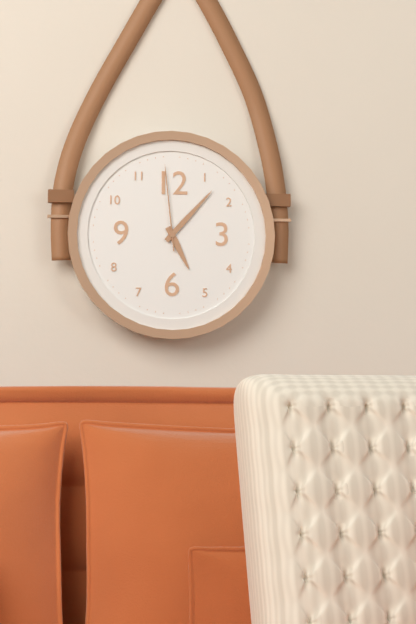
5:07:59
